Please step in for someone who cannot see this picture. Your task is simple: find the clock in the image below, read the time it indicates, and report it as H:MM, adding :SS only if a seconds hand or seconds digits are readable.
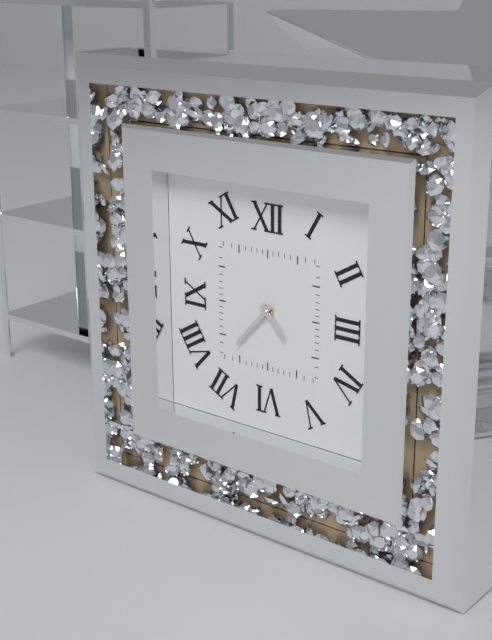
4:37
